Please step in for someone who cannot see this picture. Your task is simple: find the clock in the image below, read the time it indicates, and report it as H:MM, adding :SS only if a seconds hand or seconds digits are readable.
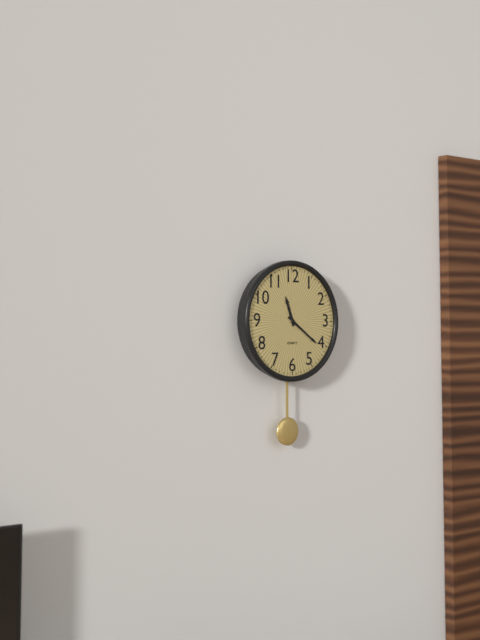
11:21
